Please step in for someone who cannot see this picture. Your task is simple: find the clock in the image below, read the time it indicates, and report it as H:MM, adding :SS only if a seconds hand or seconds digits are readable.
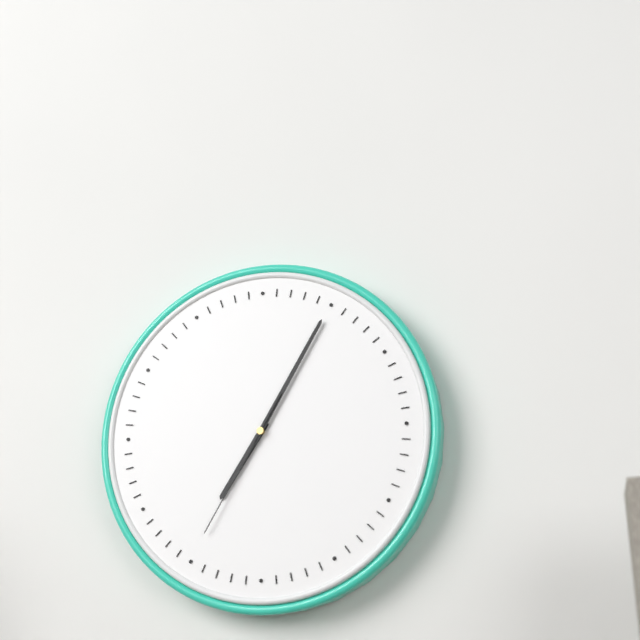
7:05:35
